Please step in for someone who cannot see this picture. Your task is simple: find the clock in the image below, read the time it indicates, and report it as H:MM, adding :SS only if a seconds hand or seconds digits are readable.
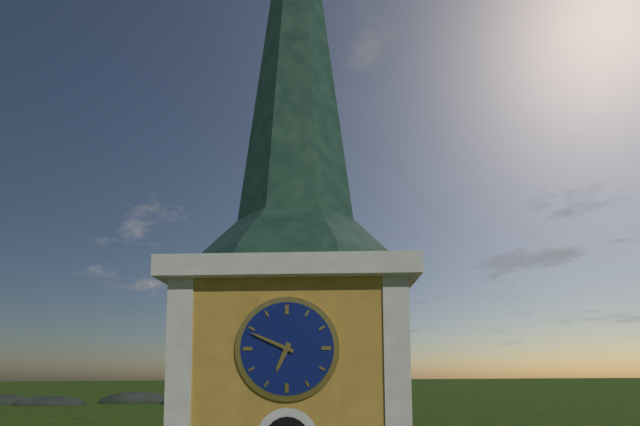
6:49
